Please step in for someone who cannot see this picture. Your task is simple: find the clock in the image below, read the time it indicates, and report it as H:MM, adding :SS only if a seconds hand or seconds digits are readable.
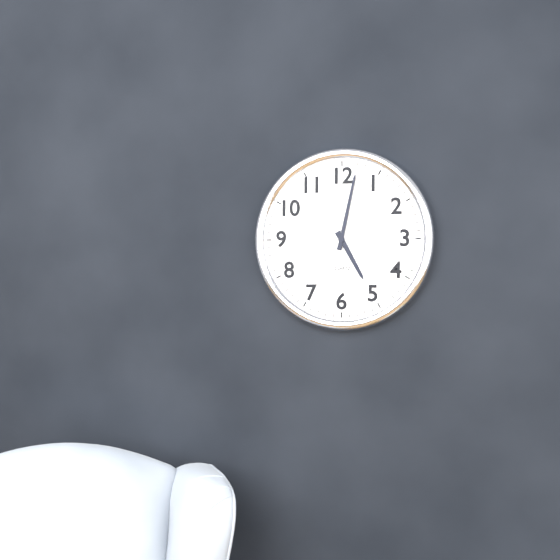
5:02
